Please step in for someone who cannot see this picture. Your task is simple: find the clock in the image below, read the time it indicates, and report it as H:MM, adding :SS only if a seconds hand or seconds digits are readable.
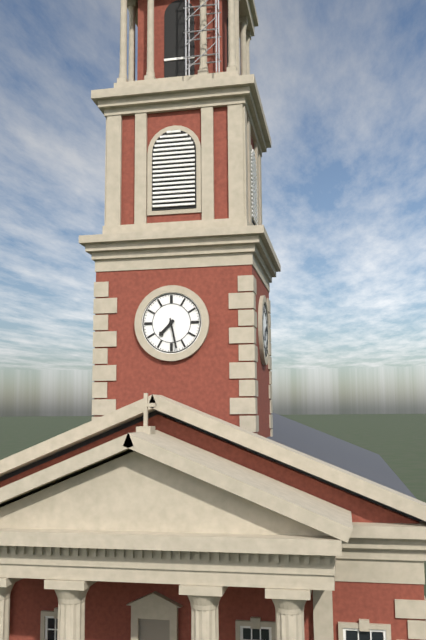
7:28
